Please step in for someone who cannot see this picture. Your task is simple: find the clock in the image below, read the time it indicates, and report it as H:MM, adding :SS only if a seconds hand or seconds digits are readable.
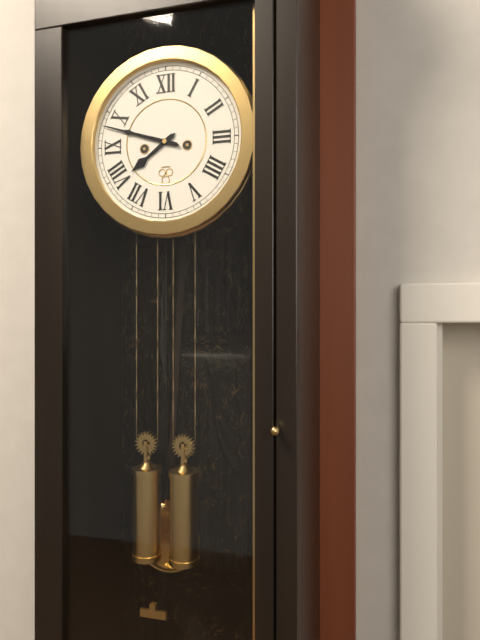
7:48
